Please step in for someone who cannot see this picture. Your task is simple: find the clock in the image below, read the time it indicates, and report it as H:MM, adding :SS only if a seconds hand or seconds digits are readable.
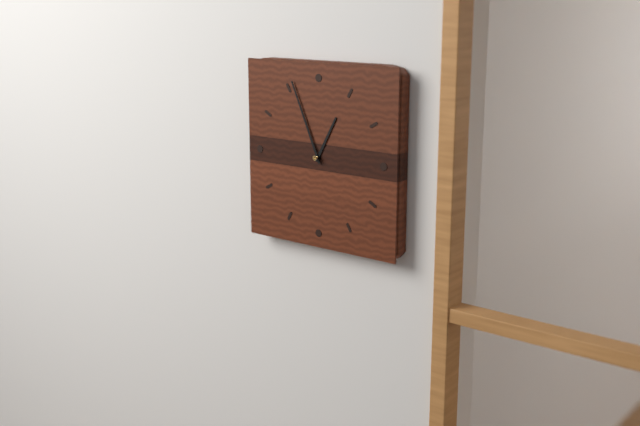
12:56
